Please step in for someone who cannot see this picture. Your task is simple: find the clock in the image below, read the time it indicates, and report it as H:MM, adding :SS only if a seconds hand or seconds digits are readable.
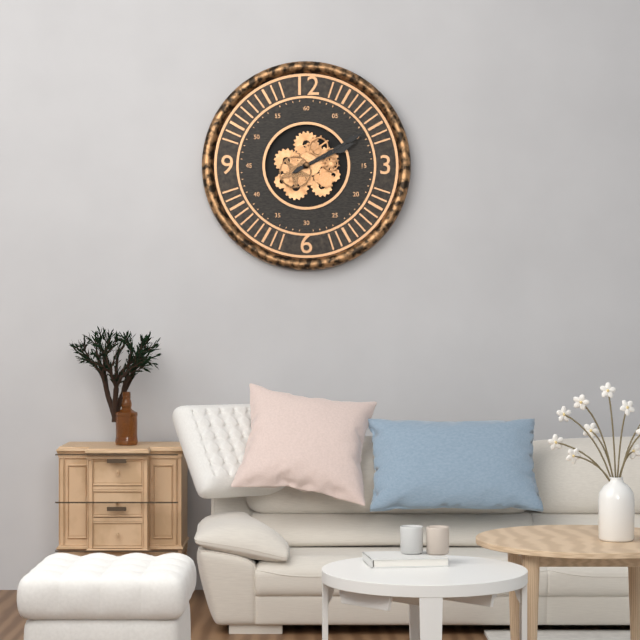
2:10
